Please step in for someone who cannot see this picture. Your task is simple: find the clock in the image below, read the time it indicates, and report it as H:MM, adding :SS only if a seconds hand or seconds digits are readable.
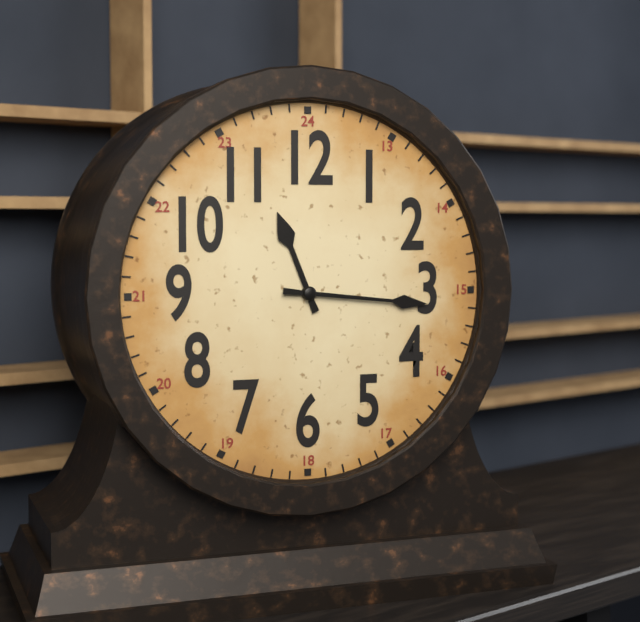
11:16
